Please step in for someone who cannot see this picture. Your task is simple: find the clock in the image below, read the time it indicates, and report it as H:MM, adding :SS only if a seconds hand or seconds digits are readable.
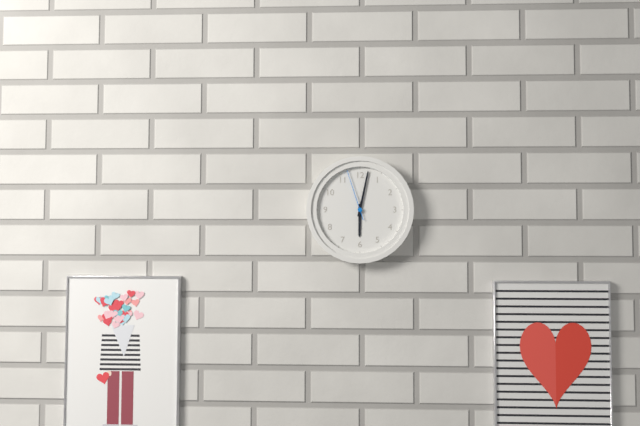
6:02:57
